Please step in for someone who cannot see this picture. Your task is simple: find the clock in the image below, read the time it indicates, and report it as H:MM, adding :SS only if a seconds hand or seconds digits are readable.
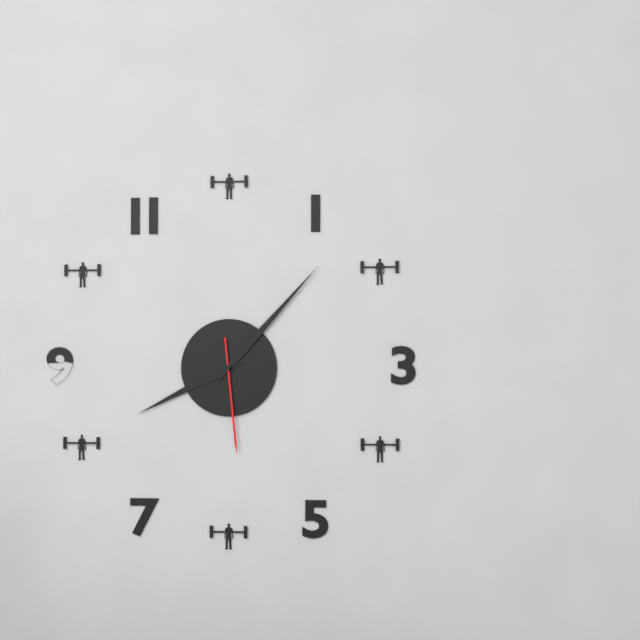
8:07:29
